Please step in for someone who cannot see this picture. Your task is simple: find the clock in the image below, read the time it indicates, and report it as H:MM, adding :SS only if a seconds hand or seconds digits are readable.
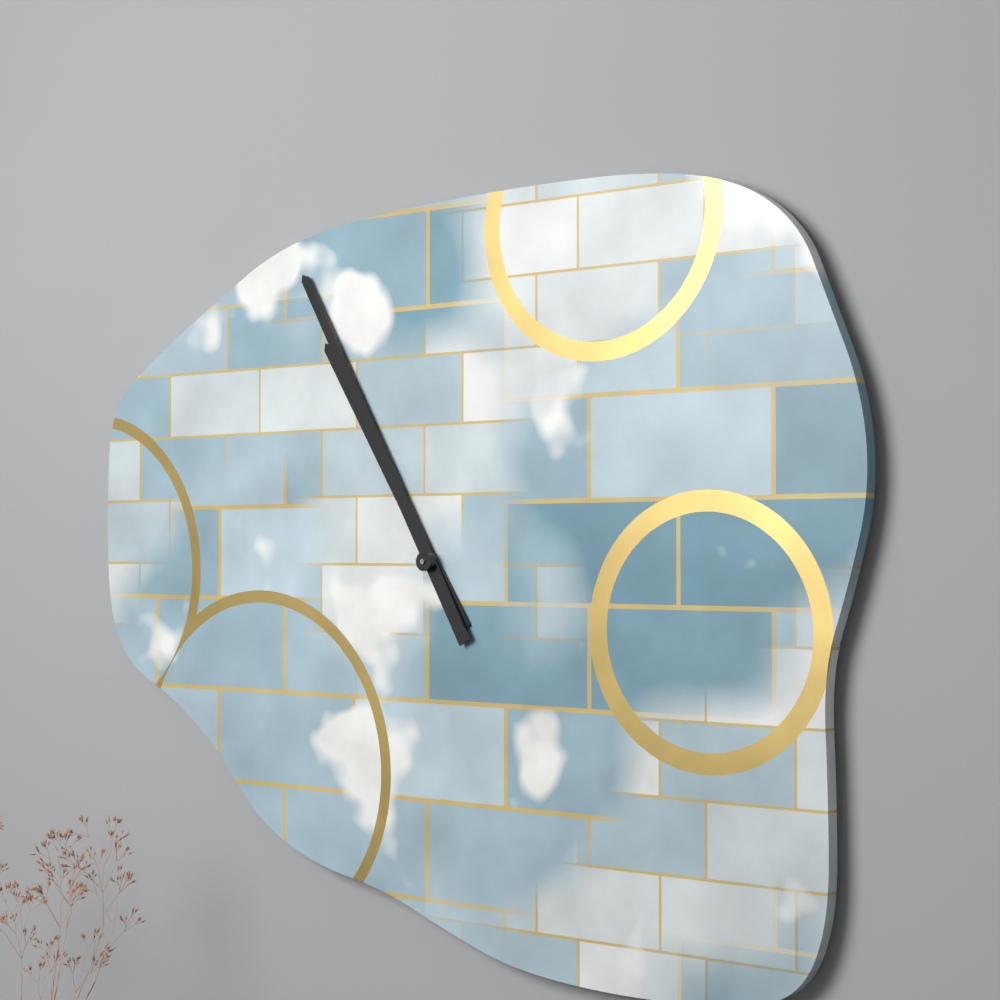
10:55
